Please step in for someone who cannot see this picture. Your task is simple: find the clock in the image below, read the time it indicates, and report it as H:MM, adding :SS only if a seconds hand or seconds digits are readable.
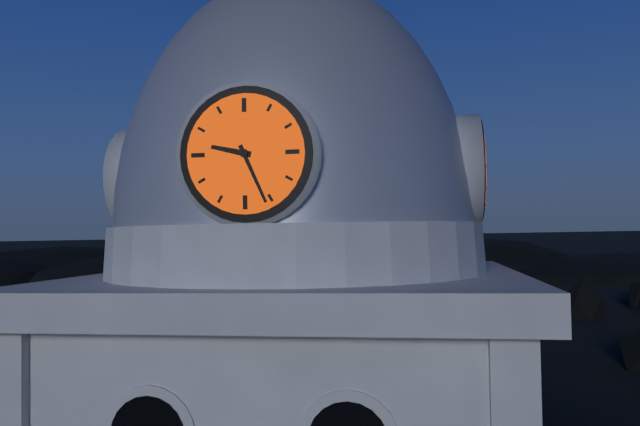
9:26
